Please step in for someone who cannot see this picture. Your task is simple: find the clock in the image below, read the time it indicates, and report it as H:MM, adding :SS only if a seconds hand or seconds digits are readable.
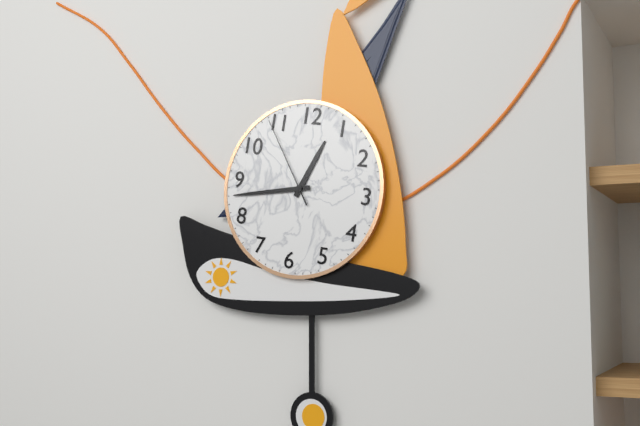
12:43:54
